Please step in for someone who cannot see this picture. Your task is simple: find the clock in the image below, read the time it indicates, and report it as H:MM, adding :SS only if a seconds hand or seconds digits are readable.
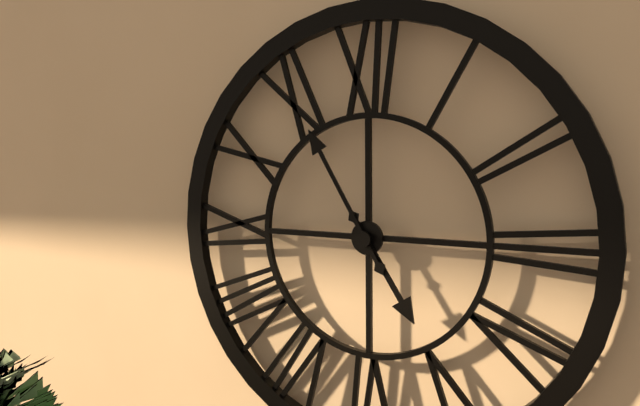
4:55
